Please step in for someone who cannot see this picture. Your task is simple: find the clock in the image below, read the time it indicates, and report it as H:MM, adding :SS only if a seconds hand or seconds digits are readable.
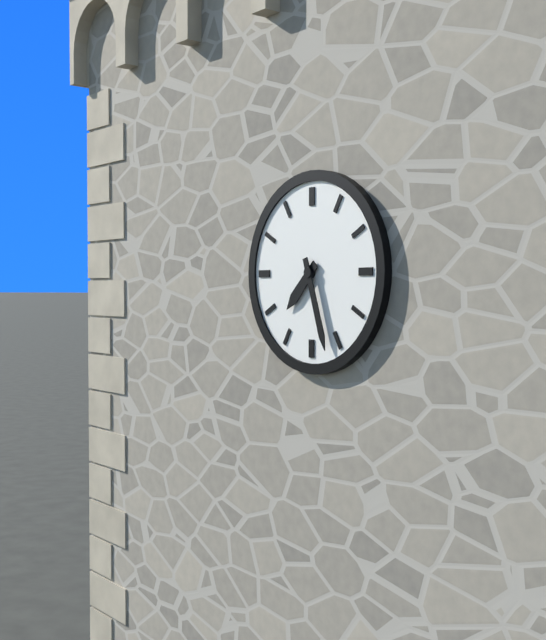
7:27
